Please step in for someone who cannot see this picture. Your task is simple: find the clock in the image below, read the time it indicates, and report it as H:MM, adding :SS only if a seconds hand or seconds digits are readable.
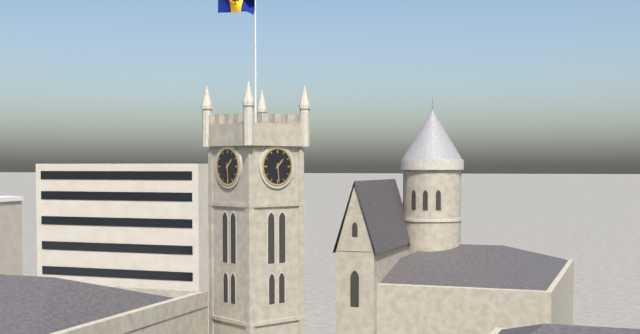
1:29
